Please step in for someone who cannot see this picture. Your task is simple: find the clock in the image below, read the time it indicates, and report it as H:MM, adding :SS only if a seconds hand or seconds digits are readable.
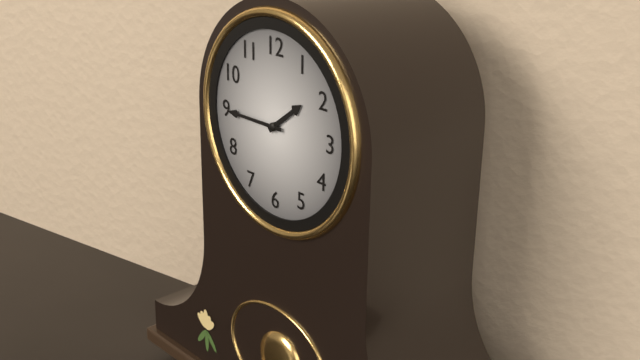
1:45
